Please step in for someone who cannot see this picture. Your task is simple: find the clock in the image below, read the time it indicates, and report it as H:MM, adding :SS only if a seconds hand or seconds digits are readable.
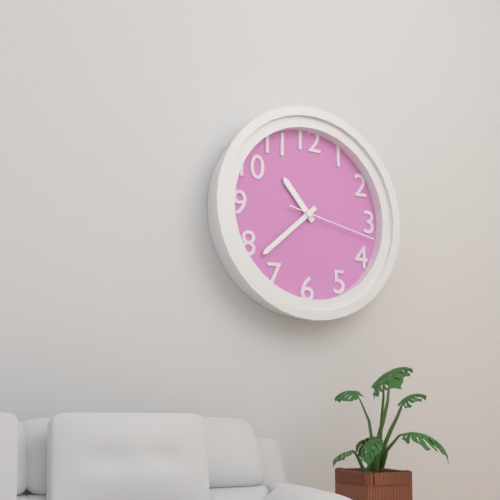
10:38:17
